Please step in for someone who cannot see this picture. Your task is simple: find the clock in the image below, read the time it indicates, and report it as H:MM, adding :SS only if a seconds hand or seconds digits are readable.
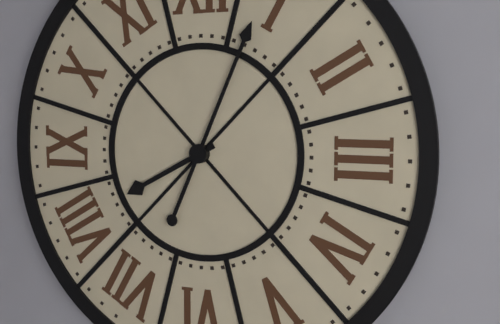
8:04
